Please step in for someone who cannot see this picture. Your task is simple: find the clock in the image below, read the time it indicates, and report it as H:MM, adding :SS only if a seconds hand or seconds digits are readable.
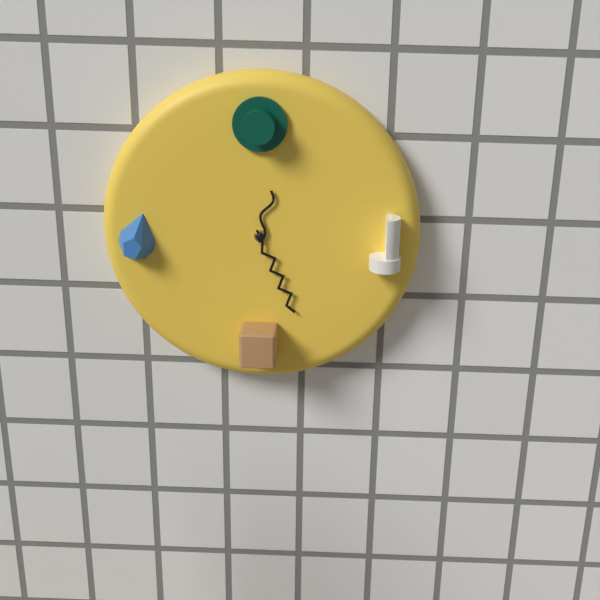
12:26
